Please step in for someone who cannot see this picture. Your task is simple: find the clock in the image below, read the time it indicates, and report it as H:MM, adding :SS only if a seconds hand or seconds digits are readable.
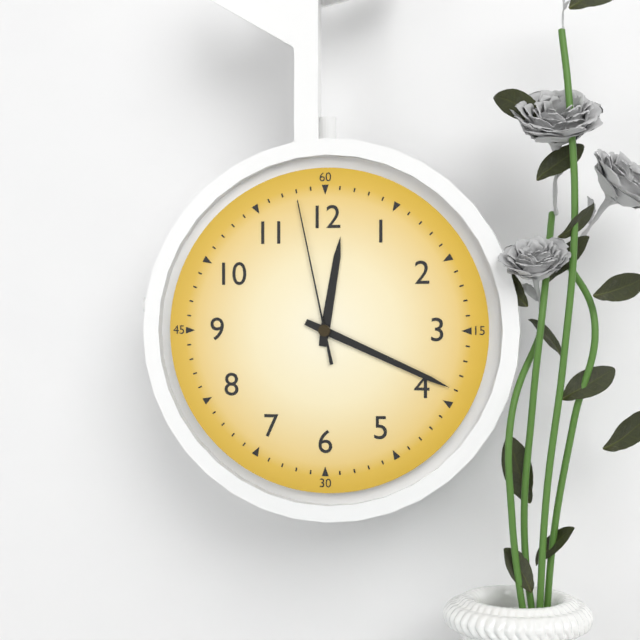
12:19:58
